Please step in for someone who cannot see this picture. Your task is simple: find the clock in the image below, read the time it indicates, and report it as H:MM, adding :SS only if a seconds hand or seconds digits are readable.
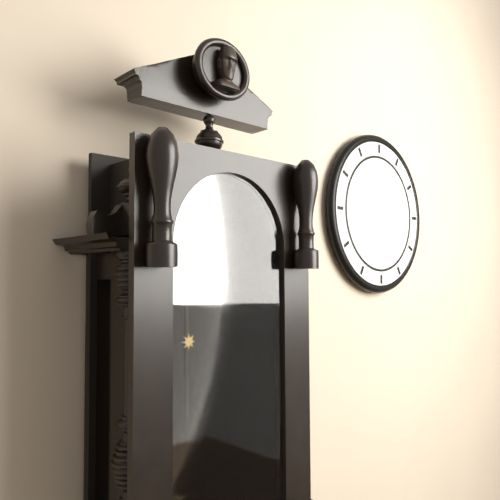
12:34
